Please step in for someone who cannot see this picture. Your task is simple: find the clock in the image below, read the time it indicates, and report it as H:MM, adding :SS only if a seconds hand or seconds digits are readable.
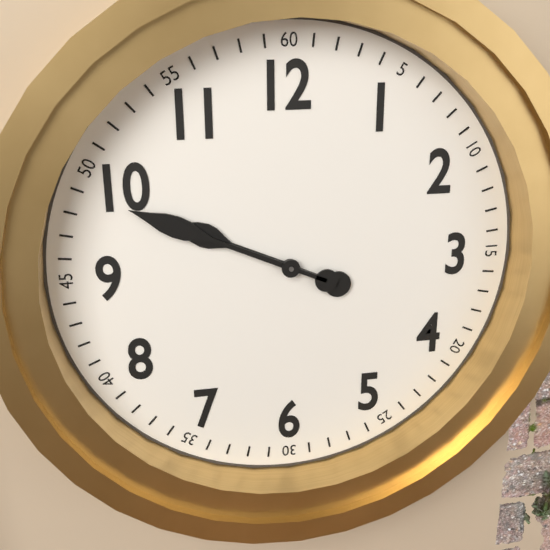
9:49
